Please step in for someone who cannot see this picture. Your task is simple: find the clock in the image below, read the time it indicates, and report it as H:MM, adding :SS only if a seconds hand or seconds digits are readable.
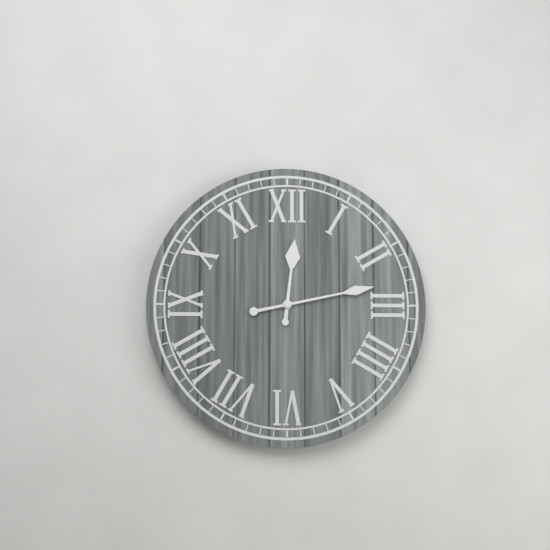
12:13
